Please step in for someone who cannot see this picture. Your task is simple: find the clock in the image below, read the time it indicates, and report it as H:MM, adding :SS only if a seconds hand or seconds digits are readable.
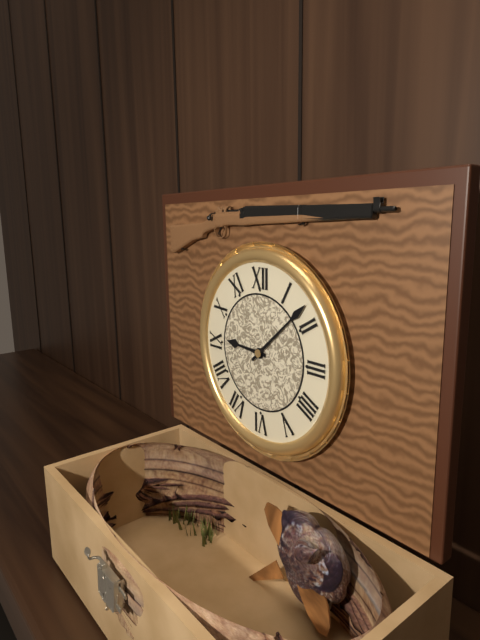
9:08
